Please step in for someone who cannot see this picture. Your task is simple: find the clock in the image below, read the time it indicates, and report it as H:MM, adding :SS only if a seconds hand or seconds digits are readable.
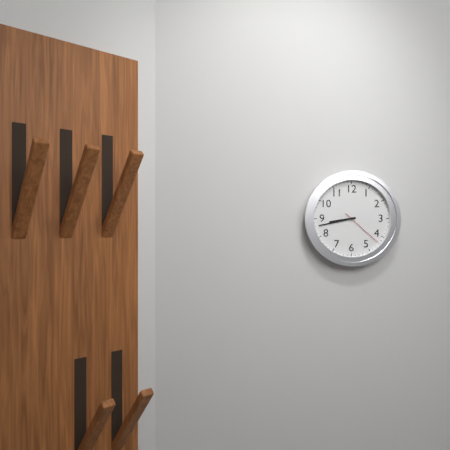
8:43
